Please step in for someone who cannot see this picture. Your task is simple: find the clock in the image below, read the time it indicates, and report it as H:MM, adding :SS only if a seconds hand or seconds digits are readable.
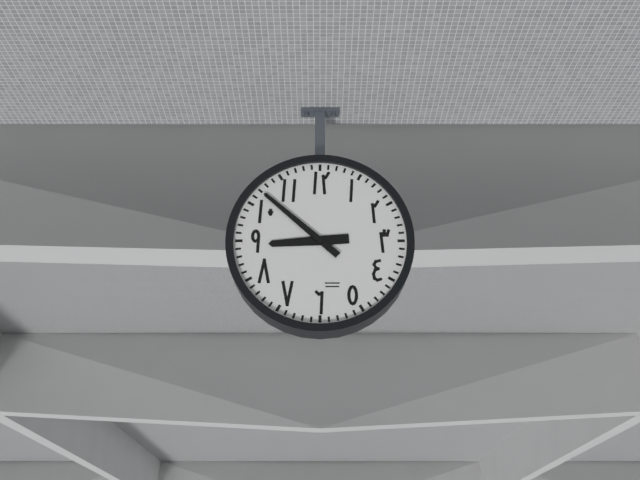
8:52
